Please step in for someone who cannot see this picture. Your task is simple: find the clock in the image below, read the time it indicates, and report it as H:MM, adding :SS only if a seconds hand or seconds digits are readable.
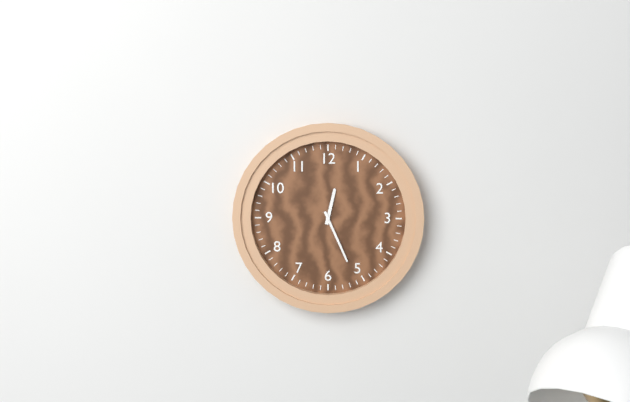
12:26
